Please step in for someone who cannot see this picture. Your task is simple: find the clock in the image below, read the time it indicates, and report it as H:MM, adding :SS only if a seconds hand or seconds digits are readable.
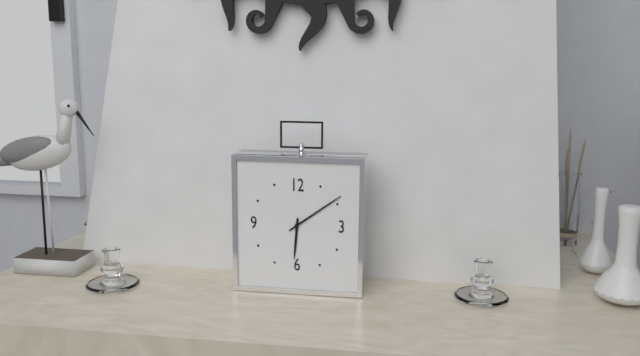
6:09
